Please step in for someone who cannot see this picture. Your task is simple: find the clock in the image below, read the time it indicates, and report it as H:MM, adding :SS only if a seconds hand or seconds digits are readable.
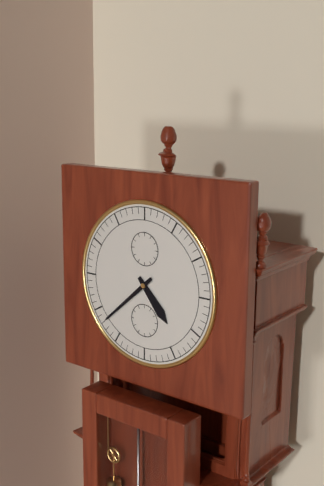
4:38
